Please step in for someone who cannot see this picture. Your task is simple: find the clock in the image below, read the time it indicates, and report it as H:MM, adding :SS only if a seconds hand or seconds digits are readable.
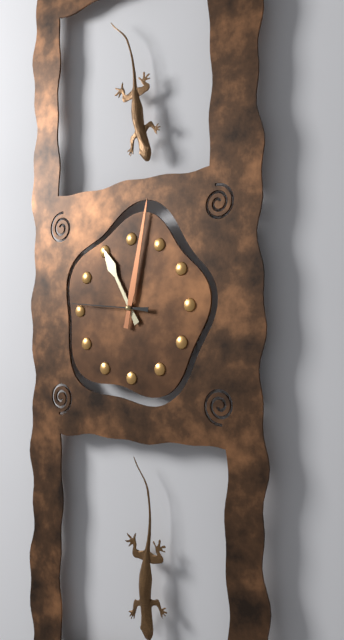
11:02:46
